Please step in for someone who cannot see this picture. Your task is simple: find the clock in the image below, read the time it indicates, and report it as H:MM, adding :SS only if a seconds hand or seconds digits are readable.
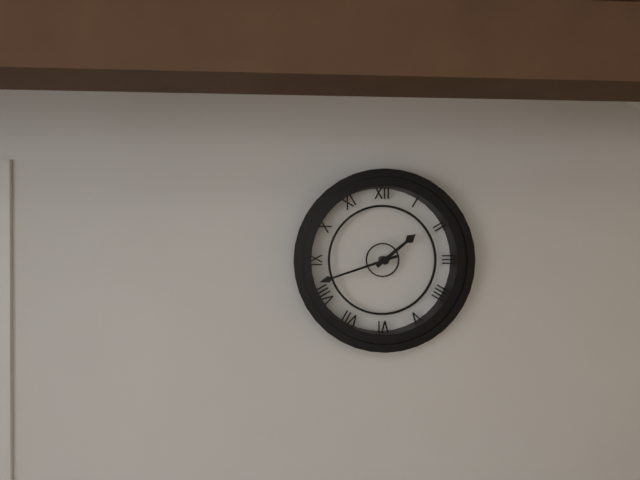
1:42
